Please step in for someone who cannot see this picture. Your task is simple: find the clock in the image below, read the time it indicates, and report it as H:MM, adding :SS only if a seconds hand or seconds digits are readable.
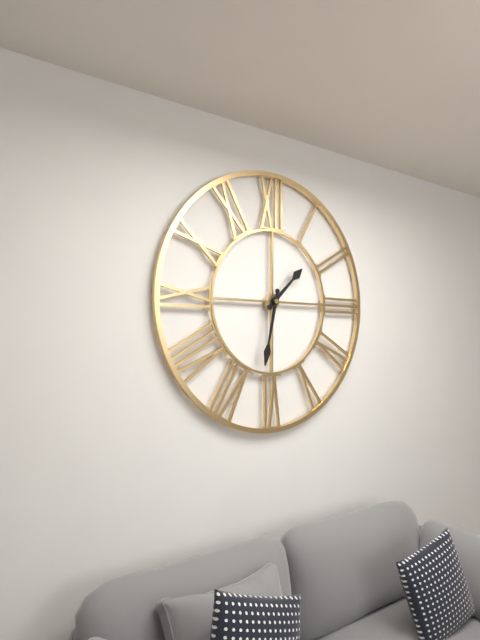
1:32
